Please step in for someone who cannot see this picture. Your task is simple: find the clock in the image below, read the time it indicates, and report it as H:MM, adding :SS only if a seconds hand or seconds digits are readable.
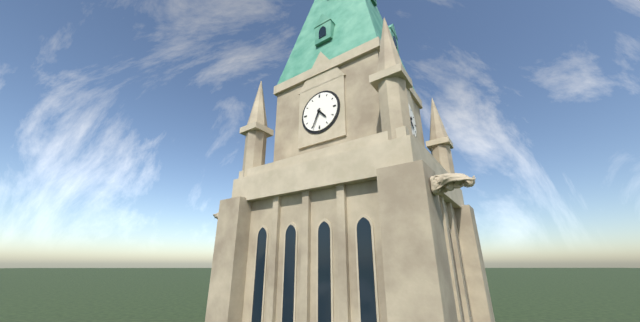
4:34
